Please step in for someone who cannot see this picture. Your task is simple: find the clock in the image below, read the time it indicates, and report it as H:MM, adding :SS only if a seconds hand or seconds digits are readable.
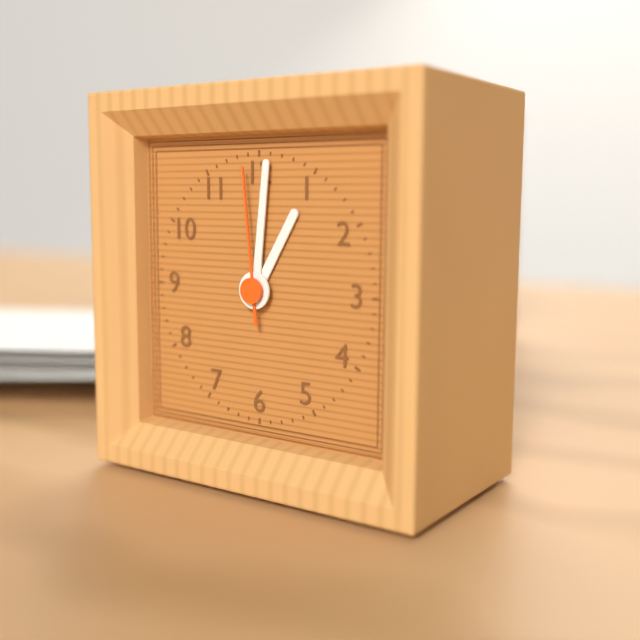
1:01:59
